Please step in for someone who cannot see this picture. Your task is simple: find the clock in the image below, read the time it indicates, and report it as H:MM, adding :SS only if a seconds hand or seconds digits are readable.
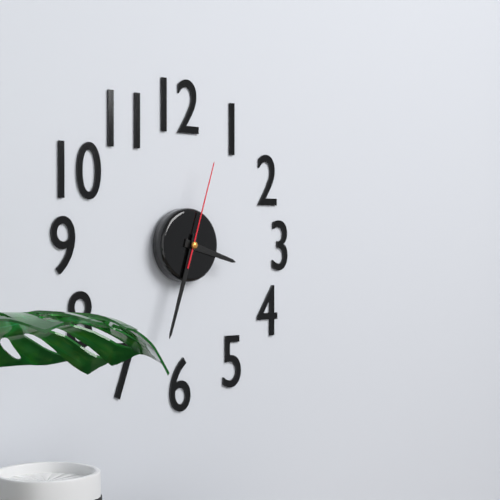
3:33:03
